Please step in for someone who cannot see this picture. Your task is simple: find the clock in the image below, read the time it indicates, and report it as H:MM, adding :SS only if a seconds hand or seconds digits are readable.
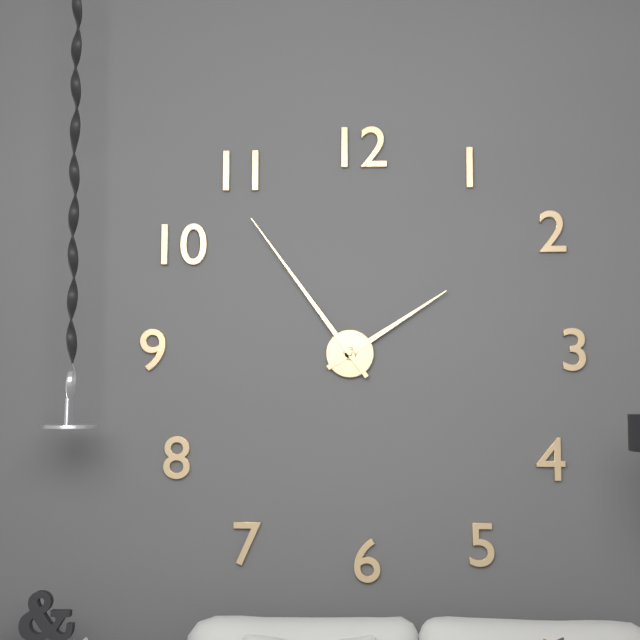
1:54
